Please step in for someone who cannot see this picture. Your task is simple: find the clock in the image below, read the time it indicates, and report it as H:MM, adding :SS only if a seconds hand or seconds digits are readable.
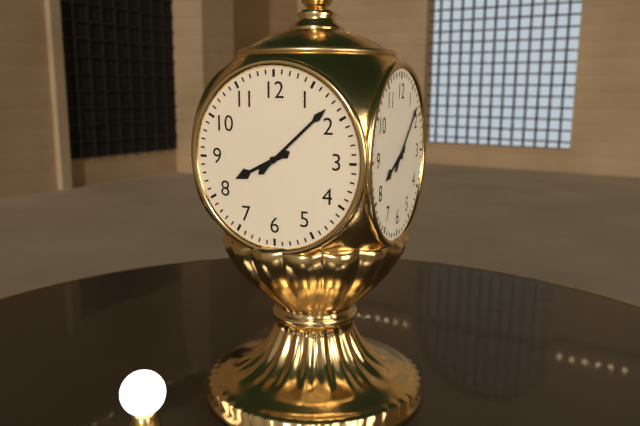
8:08
